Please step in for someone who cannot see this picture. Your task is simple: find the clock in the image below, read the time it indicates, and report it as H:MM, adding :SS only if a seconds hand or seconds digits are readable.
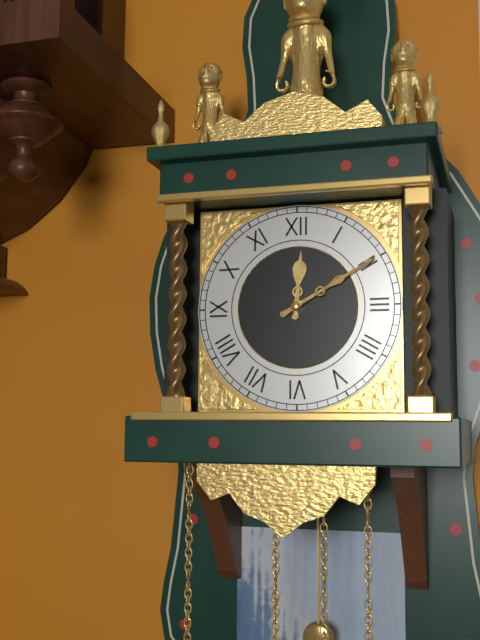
12:10
